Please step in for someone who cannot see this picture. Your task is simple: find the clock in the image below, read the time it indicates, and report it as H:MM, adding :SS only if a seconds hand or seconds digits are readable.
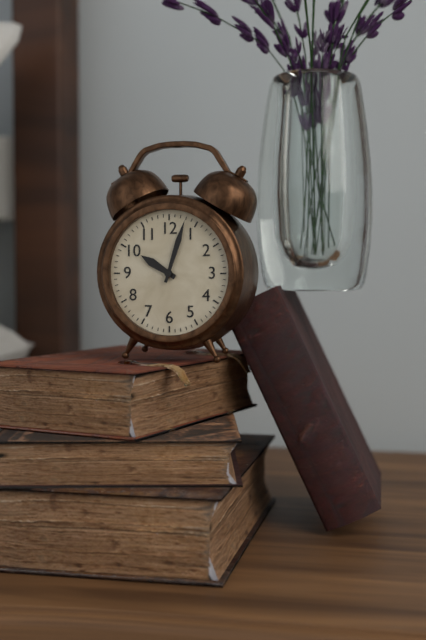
10:03
